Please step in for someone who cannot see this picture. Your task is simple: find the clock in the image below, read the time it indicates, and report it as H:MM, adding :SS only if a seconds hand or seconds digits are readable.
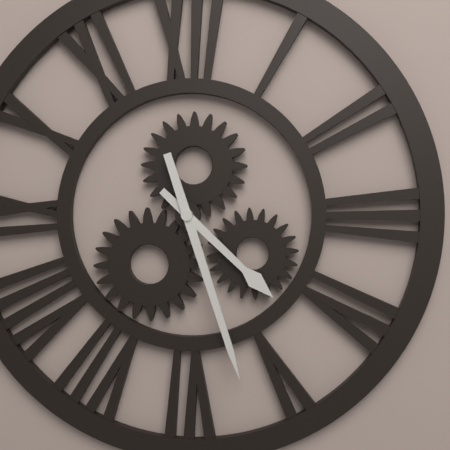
4:27
